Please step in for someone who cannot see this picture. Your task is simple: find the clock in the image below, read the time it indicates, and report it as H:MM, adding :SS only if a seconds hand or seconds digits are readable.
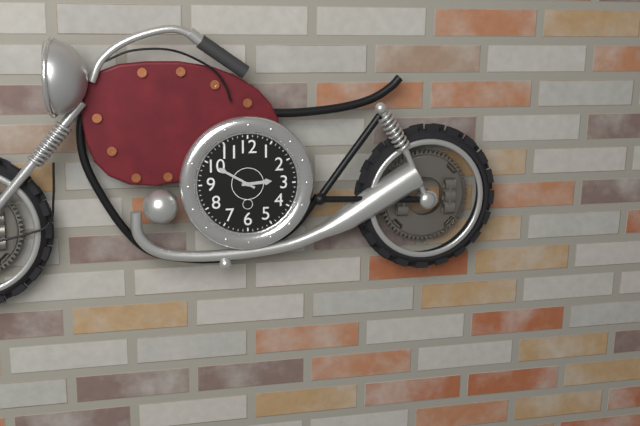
2:50
